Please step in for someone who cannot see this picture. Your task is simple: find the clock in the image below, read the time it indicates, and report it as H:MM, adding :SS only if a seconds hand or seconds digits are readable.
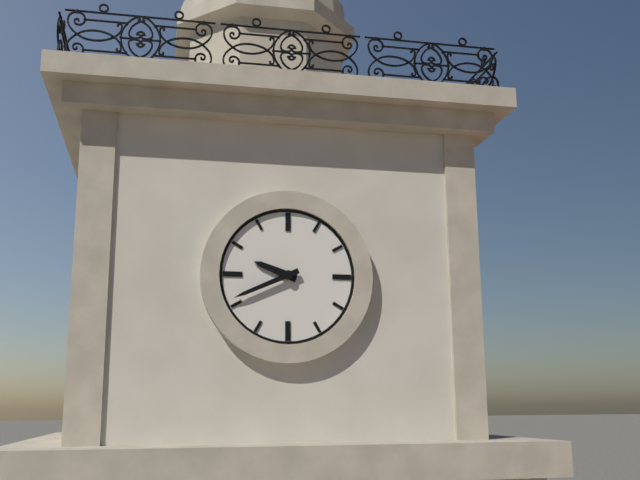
9:41
